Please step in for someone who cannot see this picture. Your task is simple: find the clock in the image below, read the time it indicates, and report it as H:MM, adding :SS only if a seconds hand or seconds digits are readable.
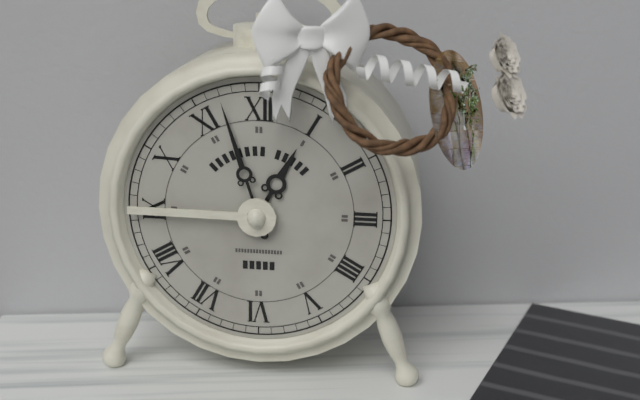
12:57
